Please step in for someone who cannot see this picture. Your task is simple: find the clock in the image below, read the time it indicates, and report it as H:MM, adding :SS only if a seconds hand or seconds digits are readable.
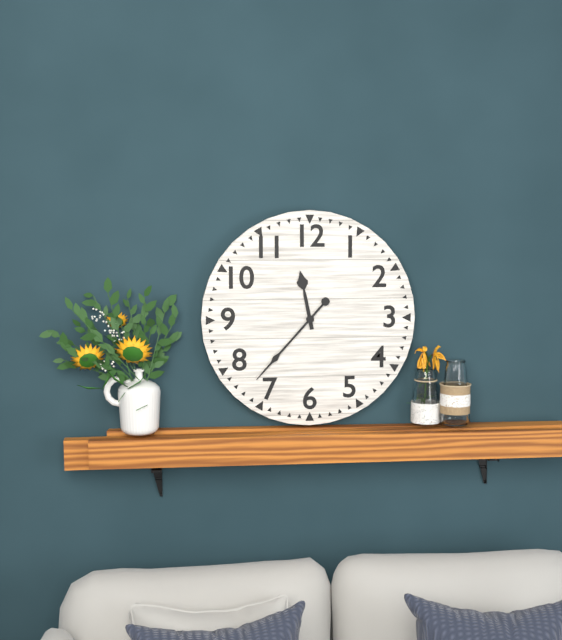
11:37
